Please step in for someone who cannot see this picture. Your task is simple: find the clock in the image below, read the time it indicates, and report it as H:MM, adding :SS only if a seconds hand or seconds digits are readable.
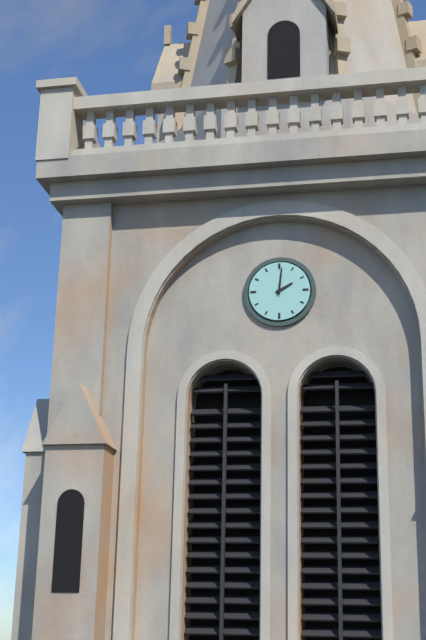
2:01
